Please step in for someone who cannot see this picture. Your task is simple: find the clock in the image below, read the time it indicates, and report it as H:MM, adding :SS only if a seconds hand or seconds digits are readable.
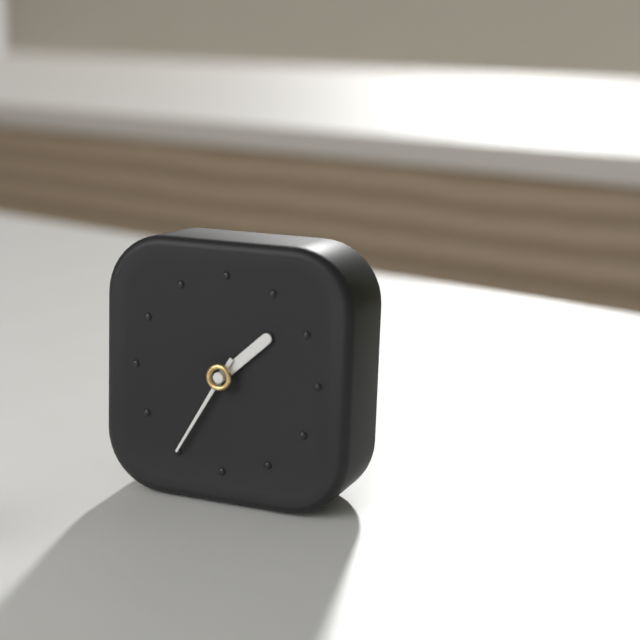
1:35
